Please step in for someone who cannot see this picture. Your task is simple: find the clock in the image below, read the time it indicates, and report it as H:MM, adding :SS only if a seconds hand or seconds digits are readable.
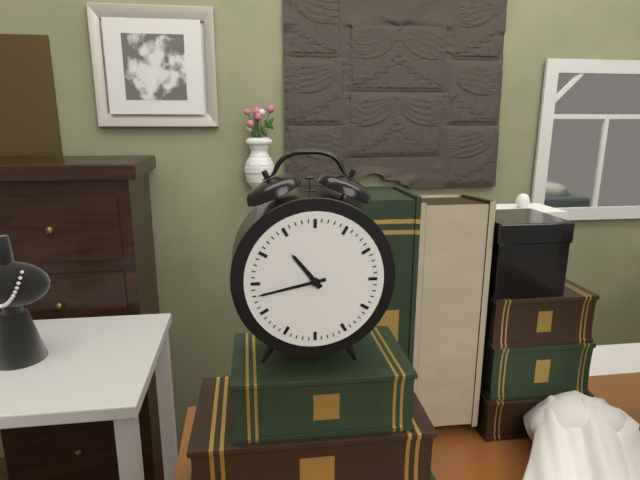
10:43
